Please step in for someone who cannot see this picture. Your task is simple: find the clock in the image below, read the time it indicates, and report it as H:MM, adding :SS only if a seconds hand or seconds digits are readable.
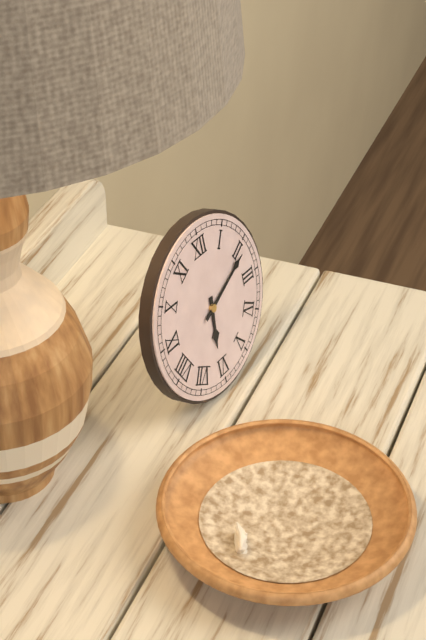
6:11
